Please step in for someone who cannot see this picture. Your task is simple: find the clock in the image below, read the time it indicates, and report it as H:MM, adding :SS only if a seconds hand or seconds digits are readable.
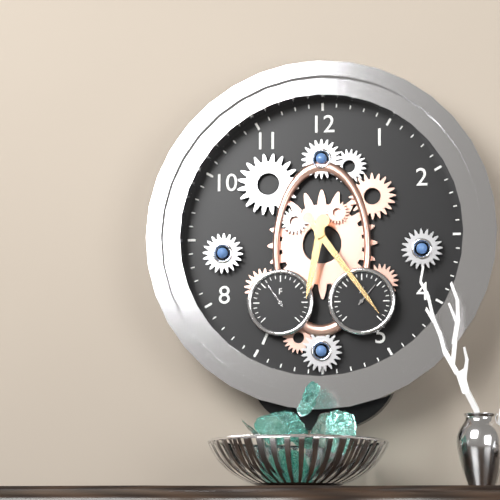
6:24
